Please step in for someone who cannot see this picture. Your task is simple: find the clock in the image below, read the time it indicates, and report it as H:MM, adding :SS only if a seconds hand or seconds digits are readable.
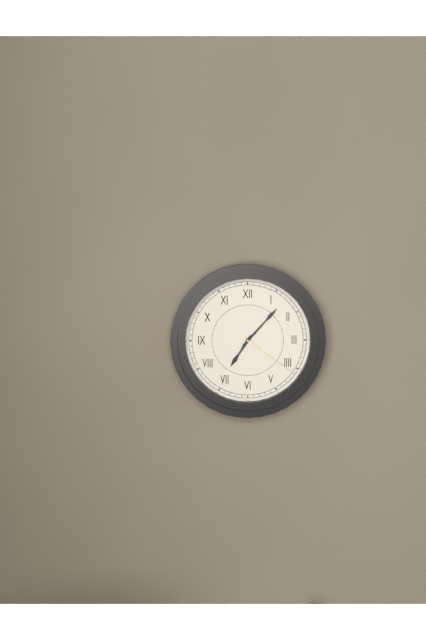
7:07:21
